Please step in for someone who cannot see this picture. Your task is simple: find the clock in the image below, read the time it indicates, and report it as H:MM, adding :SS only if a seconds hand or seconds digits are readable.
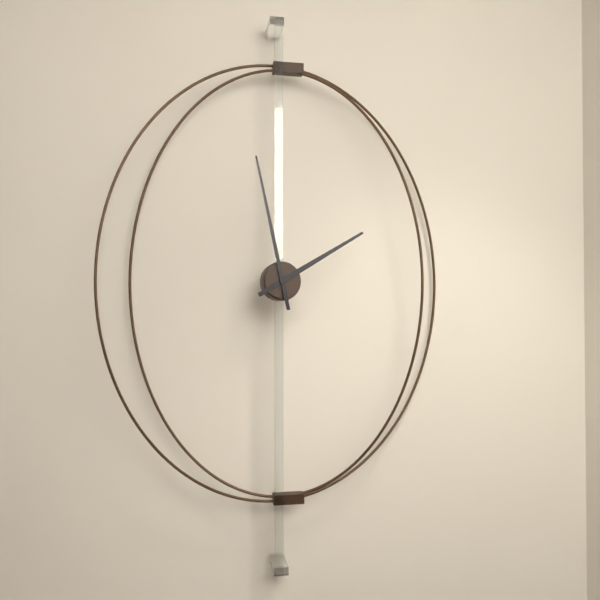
1:58
